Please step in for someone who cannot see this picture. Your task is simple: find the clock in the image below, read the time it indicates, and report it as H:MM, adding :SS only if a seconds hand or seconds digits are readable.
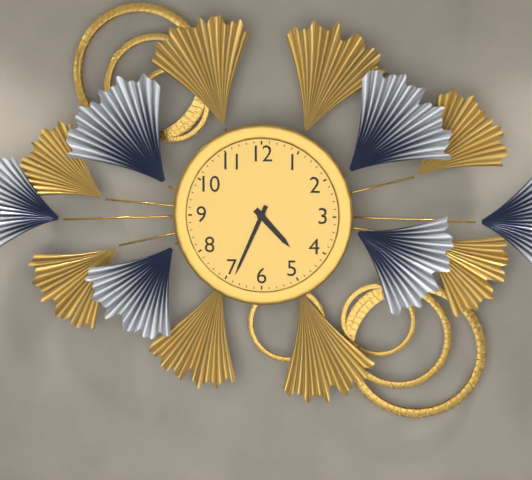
4:34
